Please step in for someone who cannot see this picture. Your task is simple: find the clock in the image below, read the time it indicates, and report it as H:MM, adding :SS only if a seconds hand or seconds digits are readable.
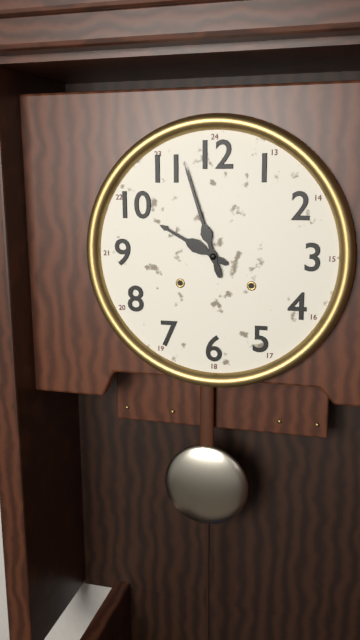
9:57
